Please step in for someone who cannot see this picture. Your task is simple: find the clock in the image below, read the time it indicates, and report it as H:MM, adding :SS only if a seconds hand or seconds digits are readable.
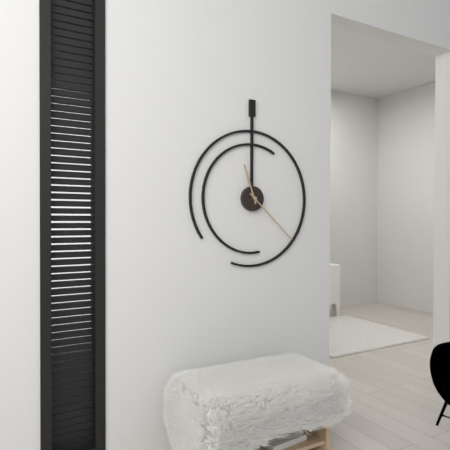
11:22
